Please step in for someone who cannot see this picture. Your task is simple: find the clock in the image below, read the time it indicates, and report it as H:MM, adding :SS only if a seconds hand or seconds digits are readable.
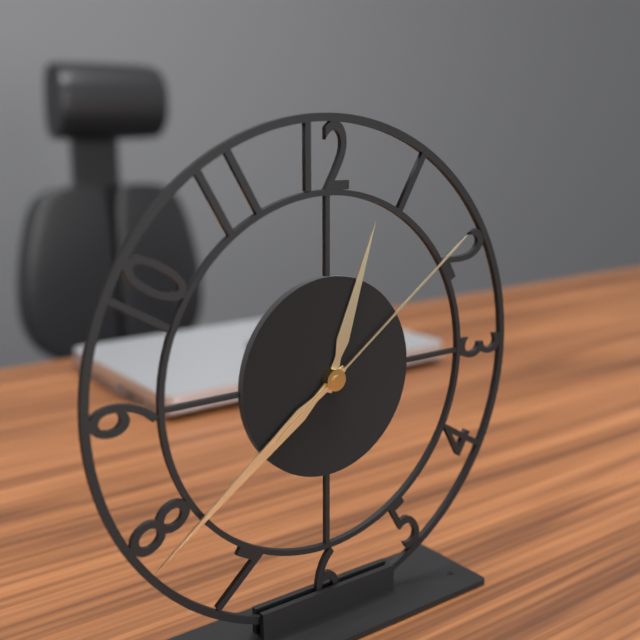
12:39:09
